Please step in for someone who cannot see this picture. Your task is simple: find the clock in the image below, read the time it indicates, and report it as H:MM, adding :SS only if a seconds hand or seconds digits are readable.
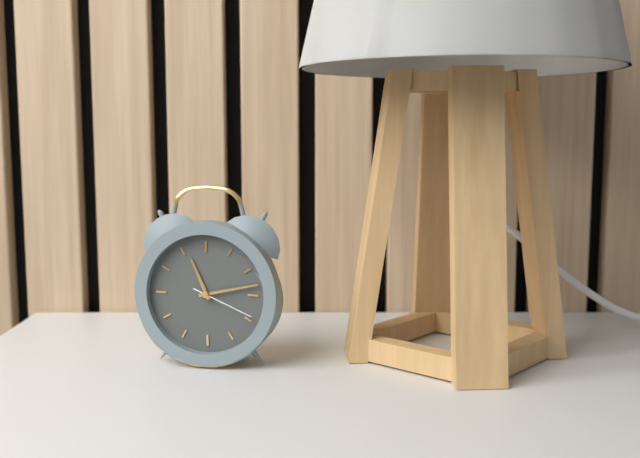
11:13:19
